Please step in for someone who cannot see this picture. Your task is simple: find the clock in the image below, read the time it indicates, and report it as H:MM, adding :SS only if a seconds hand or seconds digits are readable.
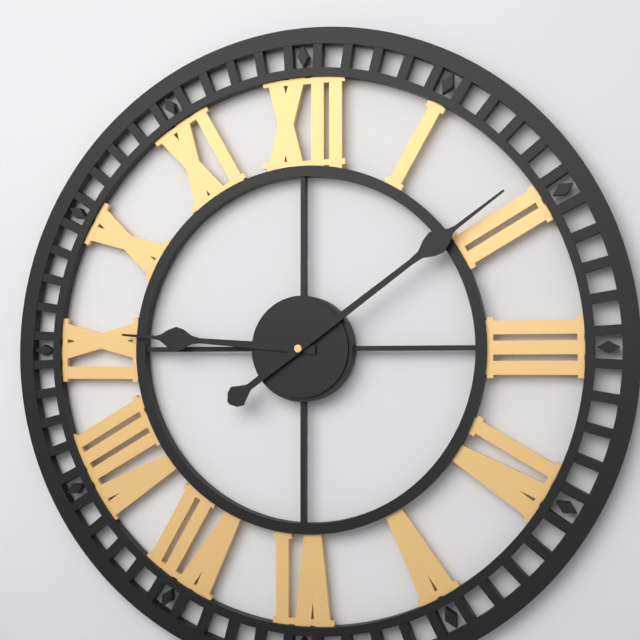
9:09
